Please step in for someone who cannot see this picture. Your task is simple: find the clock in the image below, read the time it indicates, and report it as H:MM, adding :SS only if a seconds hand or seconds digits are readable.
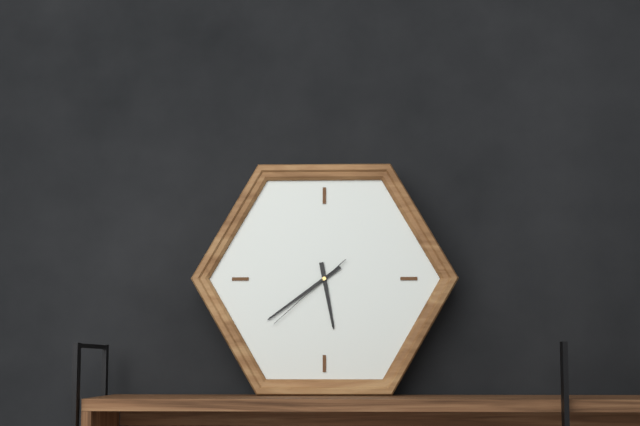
5:39:38
